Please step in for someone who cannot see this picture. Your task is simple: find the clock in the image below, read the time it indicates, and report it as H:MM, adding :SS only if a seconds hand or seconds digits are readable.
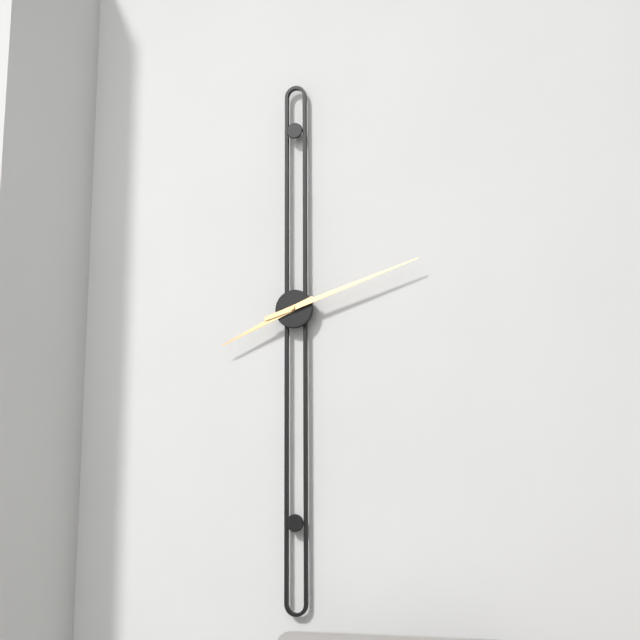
8:12
